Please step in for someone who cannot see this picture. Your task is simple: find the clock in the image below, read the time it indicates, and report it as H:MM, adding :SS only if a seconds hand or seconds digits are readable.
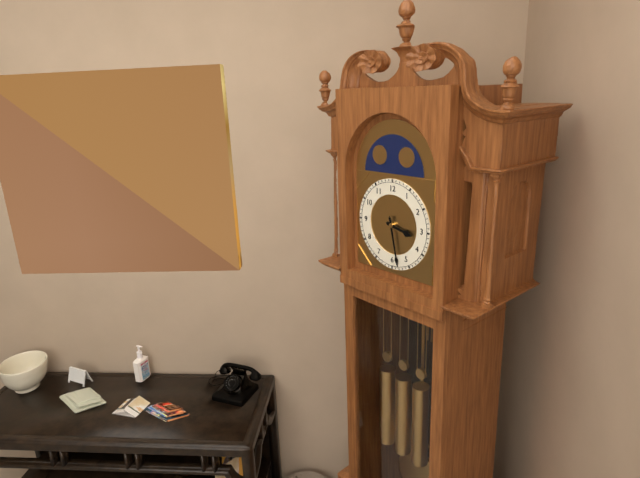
3:28
